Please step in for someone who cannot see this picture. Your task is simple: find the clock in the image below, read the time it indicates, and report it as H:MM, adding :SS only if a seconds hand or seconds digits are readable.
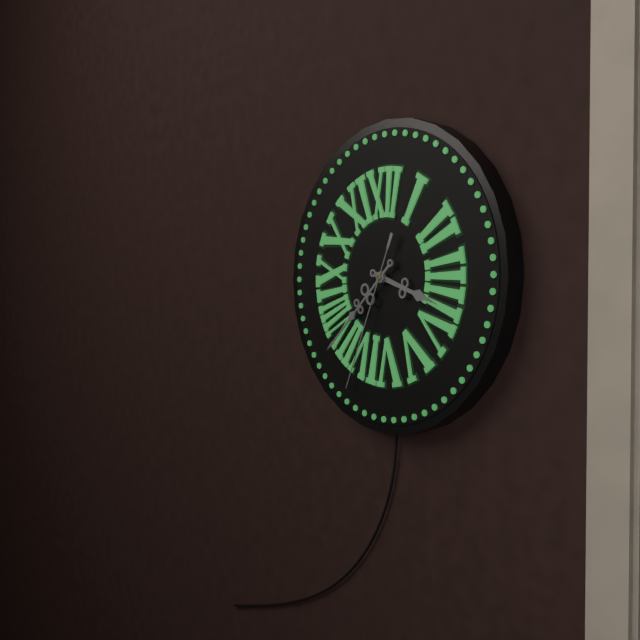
3:38:34
